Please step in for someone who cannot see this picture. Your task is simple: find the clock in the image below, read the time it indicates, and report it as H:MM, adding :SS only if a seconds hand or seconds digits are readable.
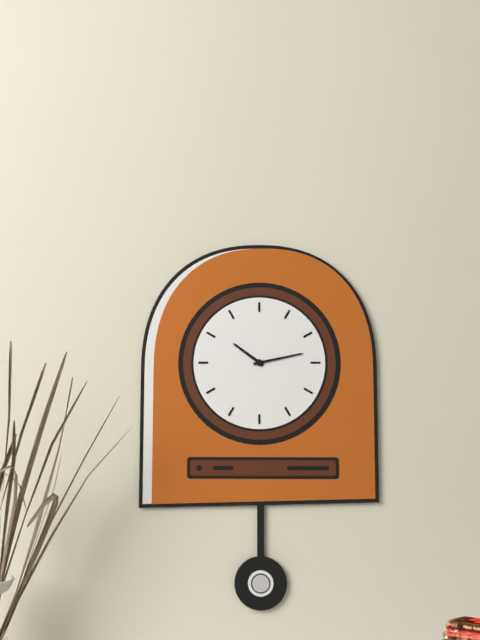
10:13
